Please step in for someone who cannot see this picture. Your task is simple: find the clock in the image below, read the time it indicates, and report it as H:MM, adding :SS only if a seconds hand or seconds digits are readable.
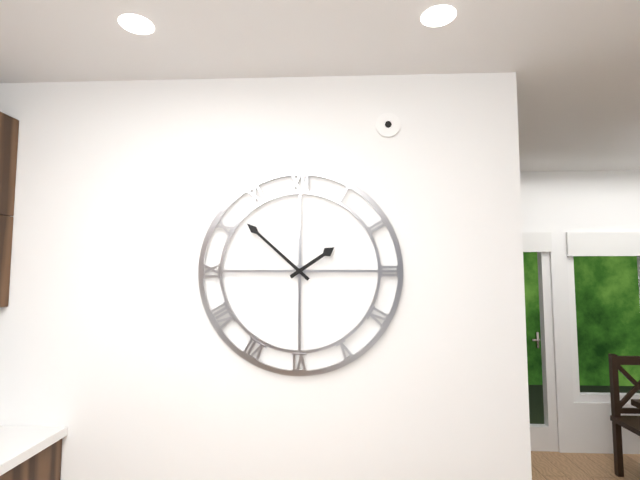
1:52
